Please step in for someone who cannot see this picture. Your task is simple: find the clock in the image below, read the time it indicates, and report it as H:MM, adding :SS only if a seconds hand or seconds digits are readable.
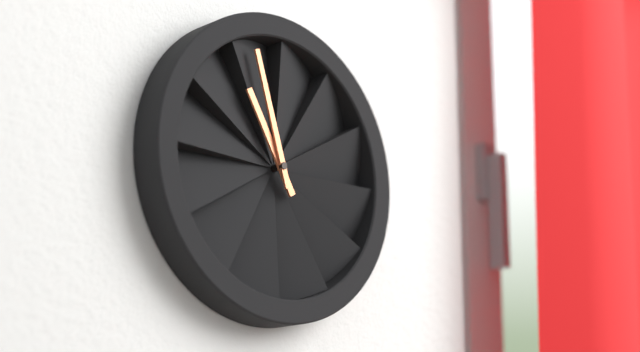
10:57
